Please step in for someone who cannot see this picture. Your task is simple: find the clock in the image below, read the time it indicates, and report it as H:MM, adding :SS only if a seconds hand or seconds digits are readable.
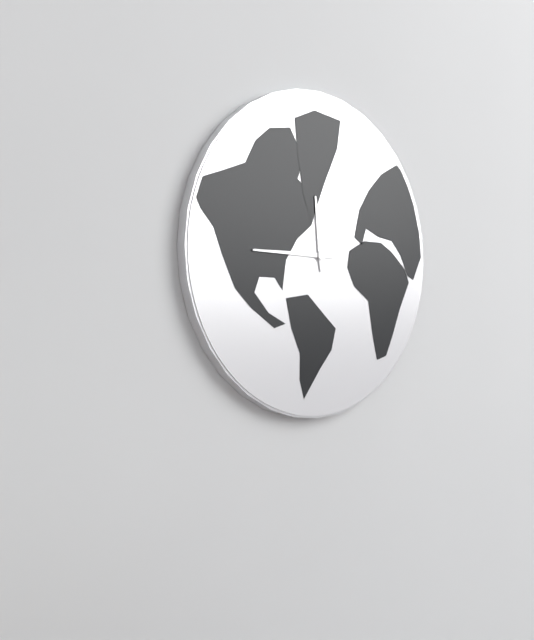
11:45
